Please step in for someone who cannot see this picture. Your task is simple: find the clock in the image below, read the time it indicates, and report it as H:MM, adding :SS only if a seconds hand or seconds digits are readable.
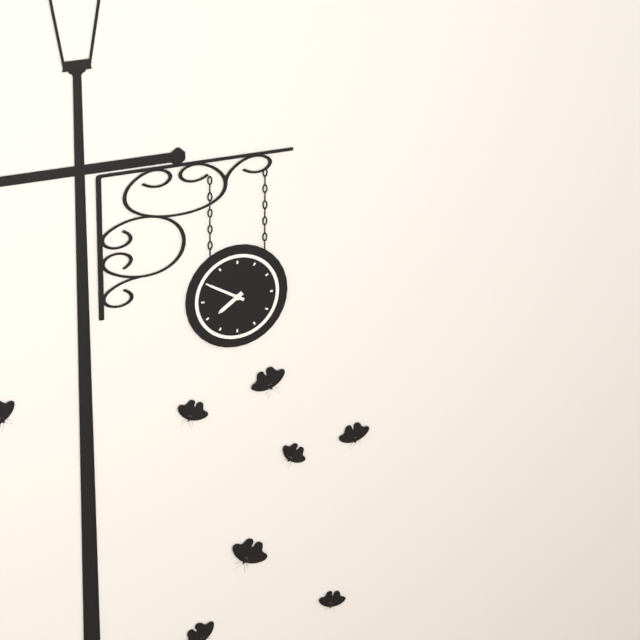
7:50
